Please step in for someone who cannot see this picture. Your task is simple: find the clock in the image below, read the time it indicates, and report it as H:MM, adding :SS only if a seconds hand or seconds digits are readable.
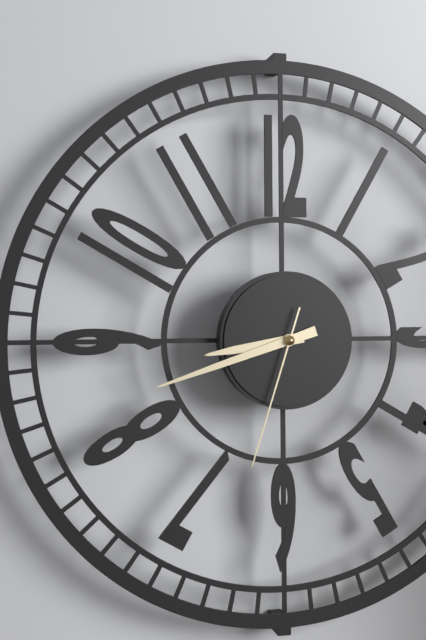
8:42:33
